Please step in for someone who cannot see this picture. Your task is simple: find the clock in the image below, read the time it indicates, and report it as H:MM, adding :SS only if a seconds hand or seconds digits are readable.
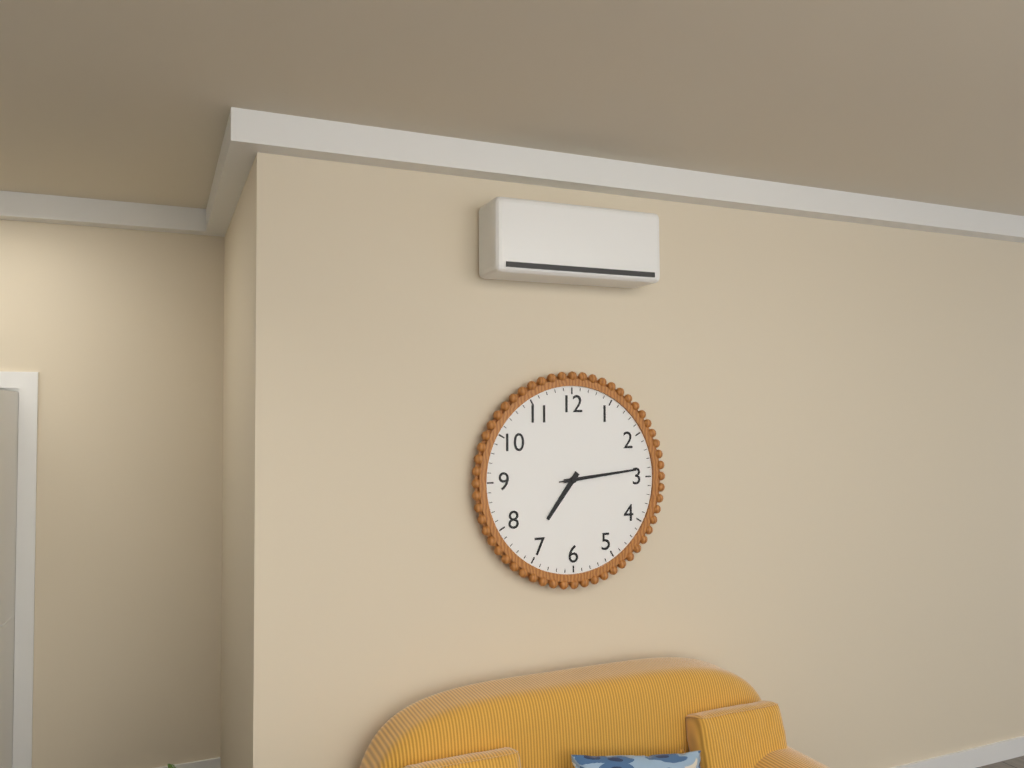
7:14:14
